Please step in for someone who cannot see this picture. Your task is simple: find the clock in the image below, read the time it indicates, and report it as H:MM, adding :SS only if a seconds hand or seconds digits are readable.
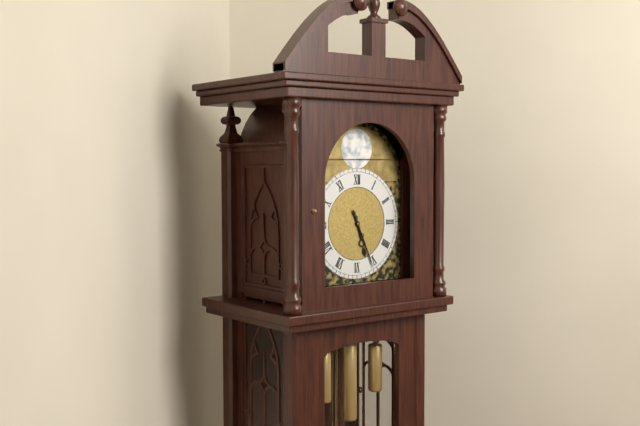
5:26
